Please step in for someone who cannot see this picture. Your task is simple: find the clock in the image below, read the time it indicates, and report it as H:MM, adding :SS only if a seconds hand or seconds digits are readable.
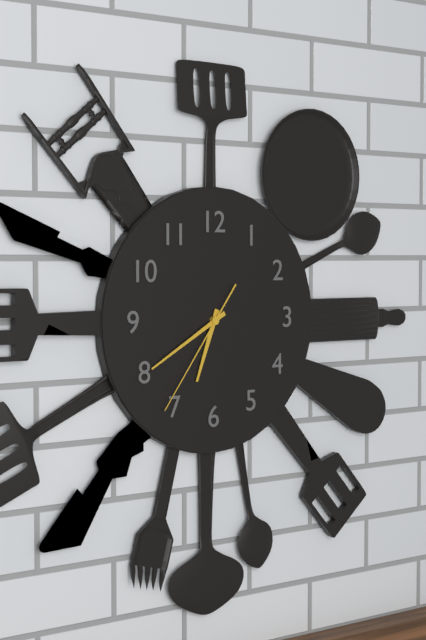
6:40:36
